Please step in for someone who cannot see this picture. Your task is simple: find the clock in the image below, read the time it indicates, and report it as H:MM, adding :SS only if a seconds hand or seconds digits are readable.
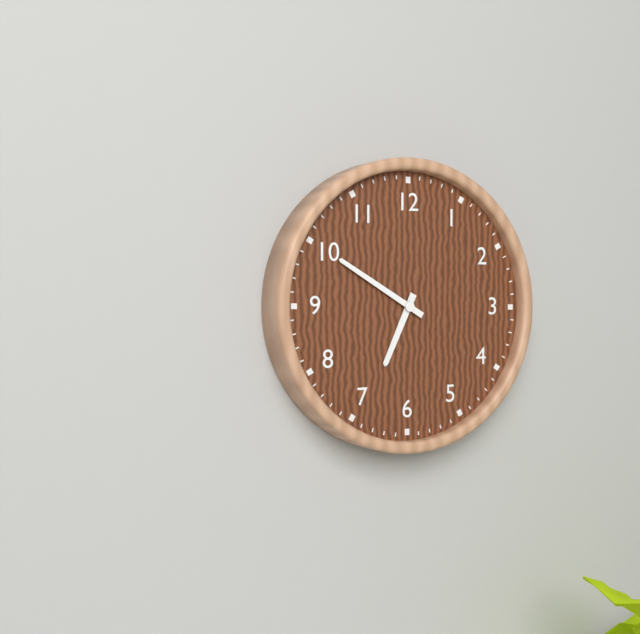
6:50
